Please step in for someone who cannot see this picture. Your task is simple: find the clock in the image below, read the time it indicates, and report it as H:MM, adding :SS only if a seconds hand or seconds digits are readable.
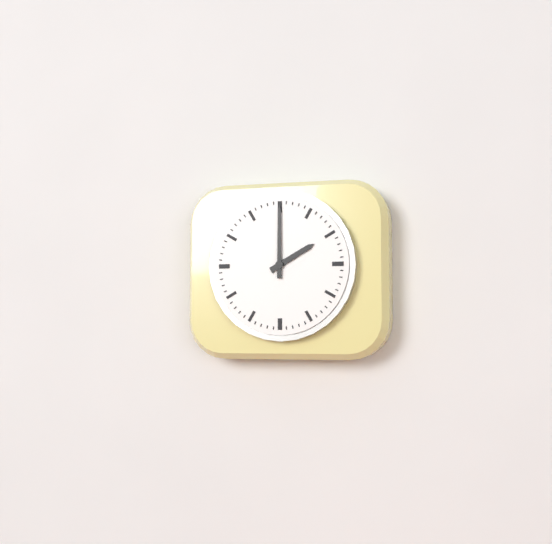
2:00
